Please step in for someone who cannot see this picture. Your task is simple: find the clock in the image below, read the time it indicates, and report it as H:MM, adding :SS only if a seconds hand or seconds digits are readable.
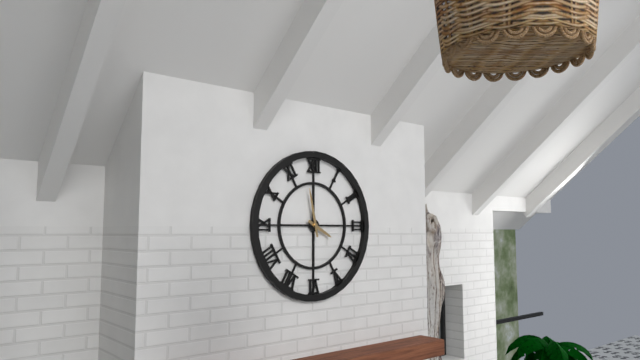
3:58
